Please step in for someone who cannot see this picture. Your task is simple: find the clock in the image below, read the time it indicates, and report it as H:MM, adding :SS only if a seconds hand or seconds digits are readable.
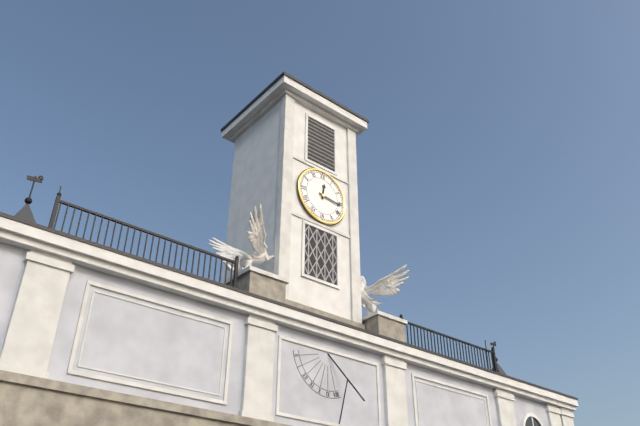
12:16
